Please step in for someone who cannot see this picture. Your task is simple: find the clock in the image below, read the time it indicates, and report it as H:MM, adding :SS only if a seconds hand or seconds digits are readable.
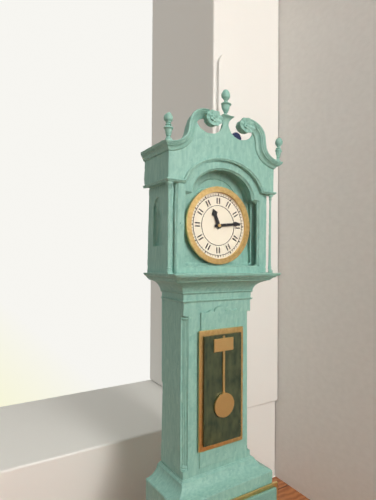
11:14
